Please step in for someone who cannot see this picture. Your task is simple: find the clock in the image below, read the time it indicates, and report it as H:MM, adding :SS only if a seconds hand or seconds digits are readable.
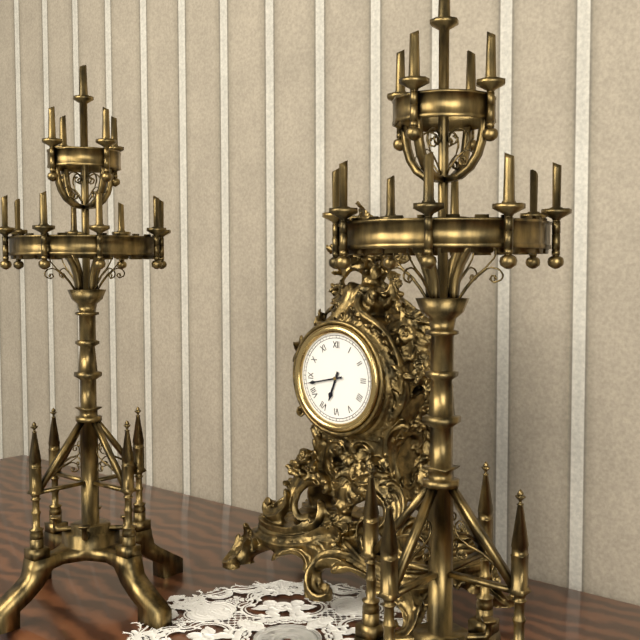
6:43
